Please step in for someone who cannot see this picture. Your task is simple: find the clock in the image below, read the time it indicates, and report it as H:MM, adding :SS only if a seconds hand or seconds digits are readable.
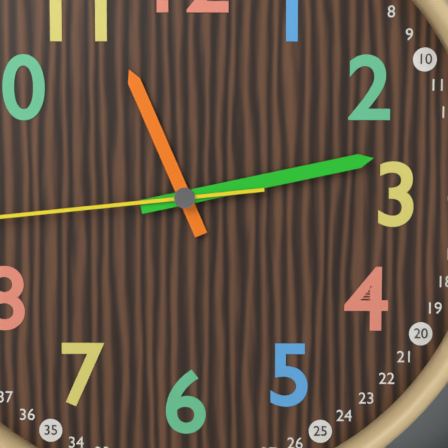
11:13
